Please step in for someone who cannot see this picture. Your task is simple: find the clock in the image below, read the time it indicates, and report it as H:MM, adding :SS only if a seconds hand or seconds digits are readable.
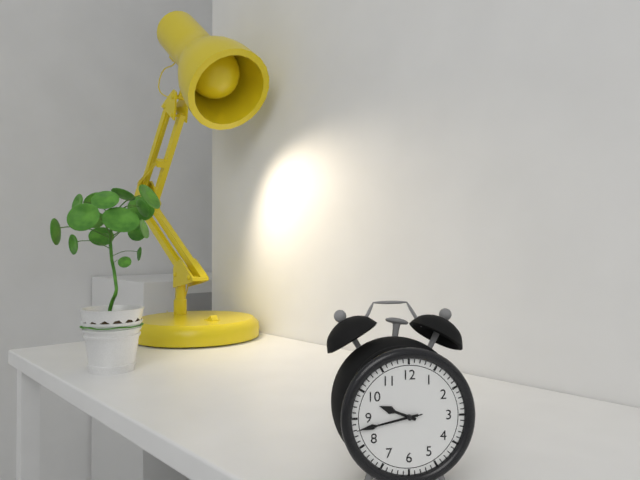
9:43:43
